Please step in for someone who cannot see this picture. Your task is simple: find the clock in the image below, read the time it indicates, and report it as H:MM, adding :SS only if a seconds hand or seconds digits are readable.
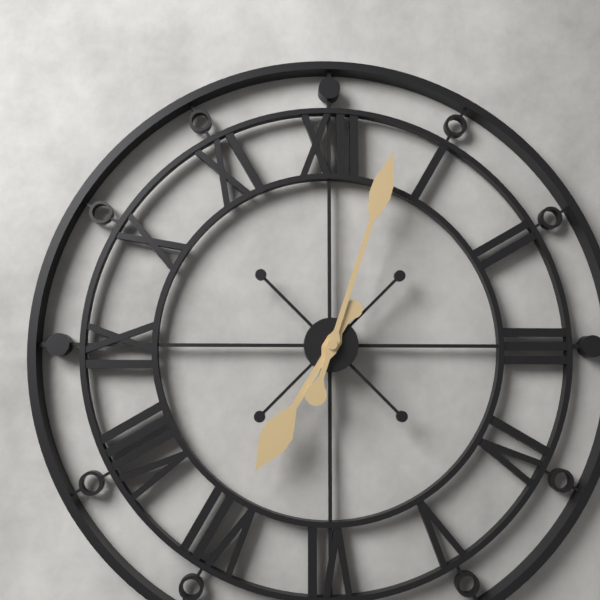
7:03
